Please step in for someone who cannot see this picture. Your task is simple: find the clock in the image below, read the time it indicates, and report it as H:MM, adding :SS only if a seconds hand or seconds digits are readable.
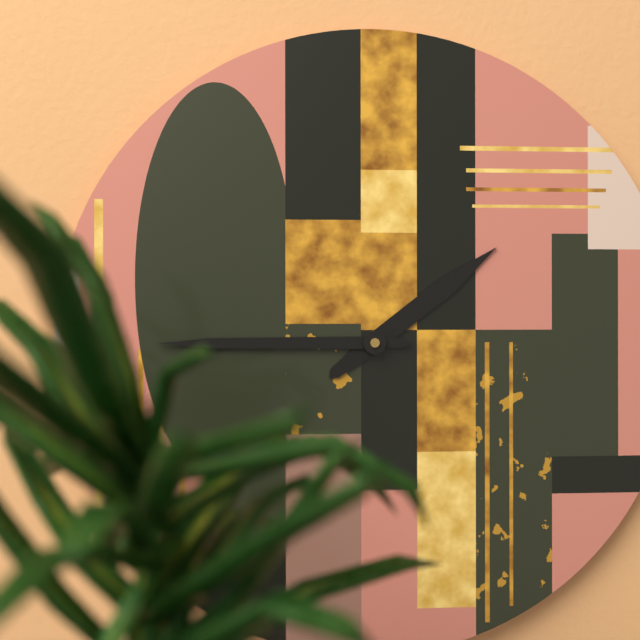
1:45
